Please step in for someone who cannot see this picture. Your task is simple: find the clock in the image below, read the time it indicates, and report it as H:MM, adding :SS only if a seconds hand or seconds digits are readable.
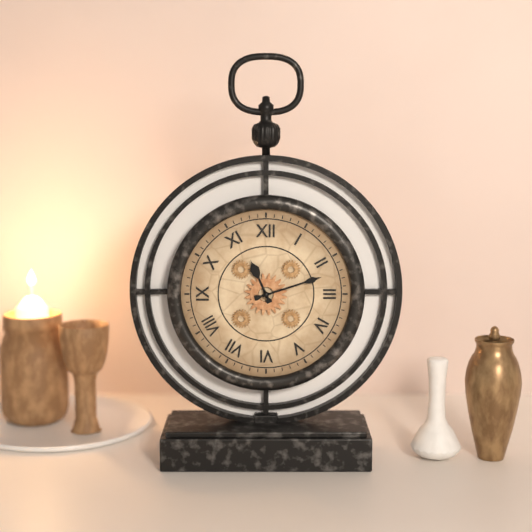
11:12
